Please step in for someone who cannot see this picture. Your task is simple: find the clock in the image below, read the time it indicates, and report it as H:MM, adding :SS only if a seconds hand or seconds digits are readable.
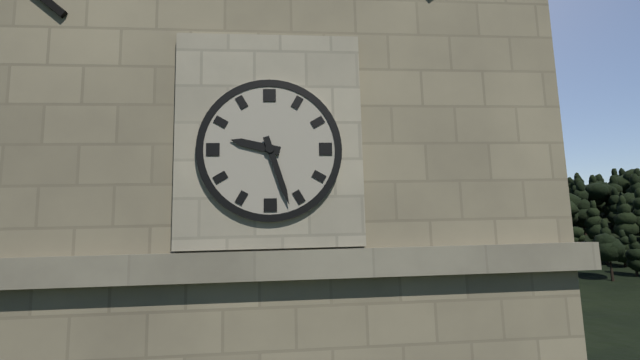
9:27
